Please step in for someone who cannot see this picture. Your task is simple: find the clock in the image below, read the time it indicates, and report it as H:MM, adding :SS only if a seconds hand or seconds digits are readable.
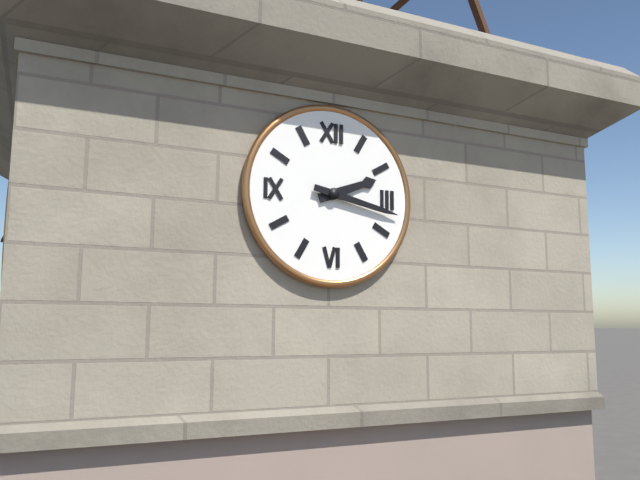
2:17
